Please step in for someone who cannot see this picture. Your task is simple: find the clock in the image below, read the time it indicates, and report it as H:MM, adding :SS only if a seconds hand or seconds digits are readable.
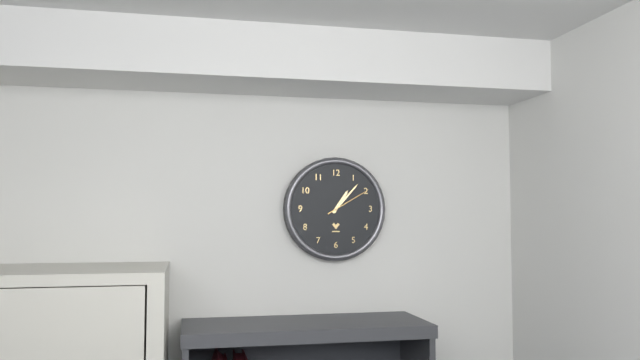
1:07
